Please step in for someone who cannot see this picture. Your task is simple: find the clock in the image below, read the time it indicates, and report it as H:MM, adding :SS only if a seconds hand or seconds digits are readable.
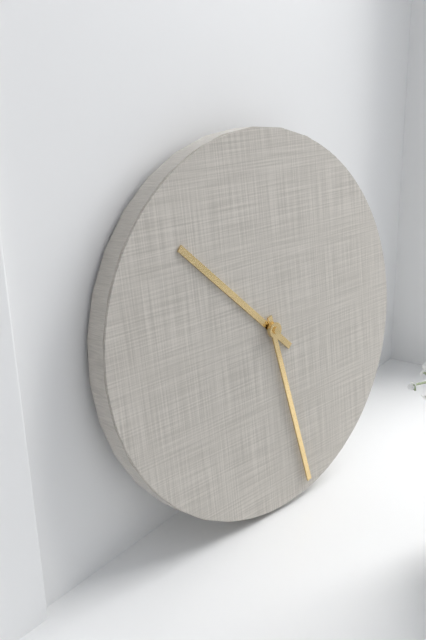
10:28
